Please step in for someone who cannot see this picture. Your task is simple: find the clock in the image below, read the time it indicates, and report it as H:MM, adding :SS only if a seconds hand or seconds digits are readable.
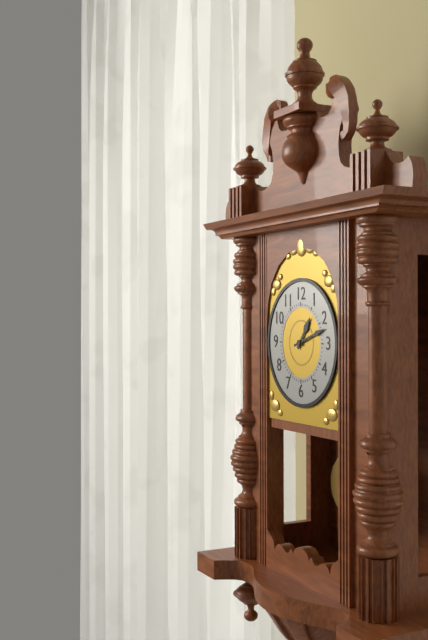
1:12
